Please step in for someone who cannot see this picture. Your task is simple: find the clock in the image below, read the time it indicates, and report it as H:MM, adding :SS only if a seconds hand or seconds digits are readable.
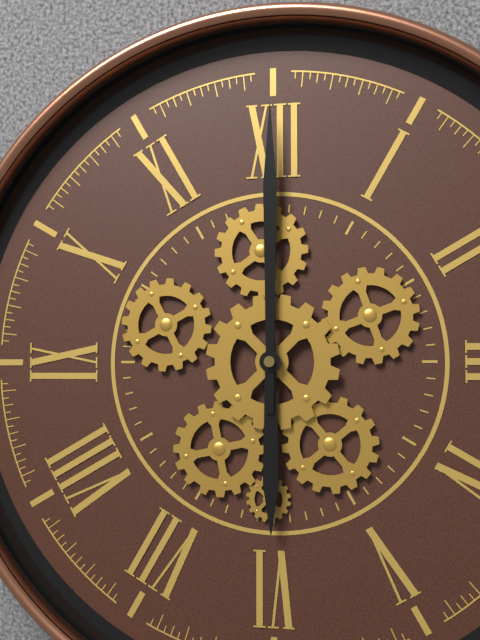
6:00
